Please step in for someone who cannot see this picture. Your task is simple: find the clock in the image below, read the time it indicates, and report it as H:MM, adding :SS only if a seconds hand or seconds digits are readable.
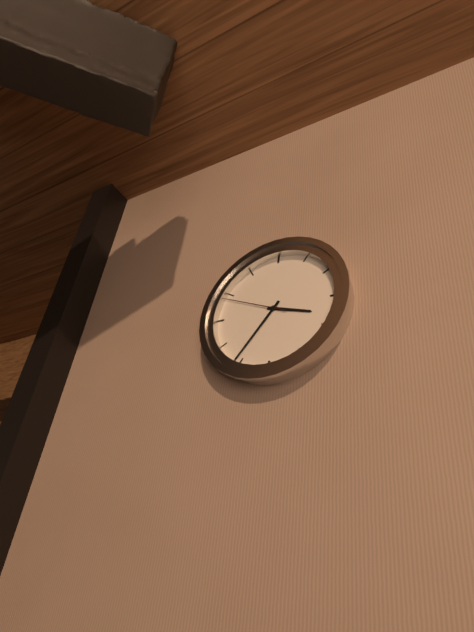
3:36:49
